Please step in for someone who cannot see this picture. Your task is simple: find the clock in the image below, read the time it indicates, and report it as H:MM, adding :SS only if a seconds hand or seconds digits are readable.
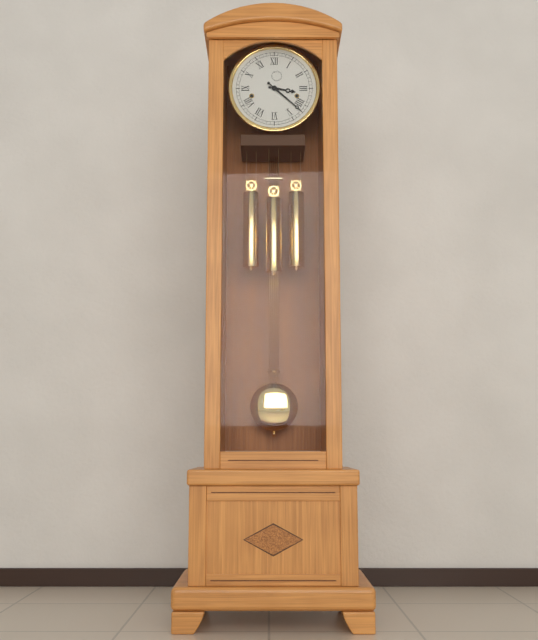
3:22
